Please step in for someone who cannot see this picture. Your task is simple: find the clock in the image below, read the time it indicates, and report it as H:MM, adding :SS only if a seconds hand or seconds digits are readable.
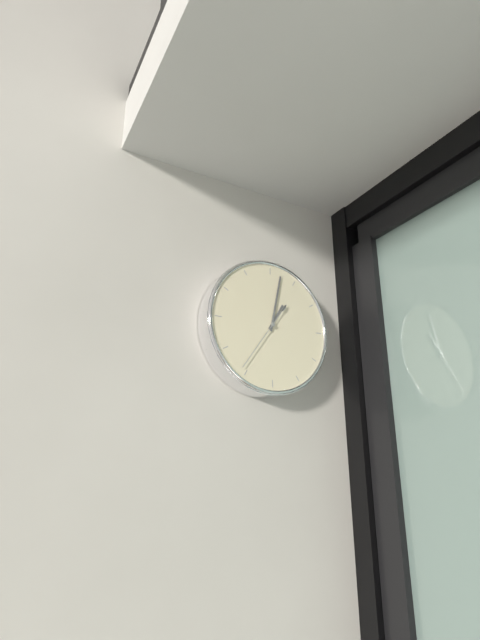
1:02:36
